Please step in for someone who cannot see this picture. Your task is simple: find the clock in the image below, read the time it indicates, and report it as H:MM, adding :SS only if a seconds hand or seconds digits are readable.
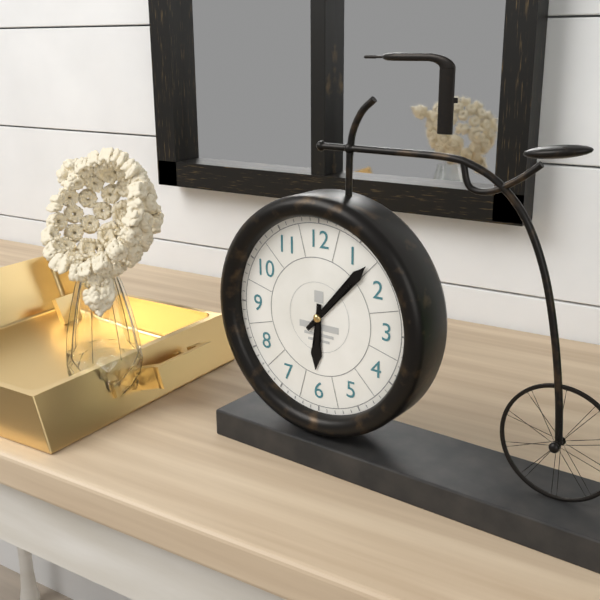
6:07
